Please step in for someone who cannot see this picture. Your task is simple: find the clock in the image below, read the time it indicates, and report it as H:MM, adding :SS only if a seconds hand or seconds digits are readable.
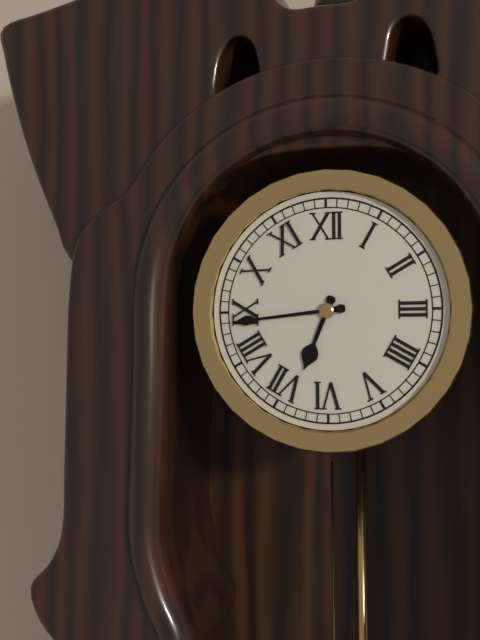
6:44
